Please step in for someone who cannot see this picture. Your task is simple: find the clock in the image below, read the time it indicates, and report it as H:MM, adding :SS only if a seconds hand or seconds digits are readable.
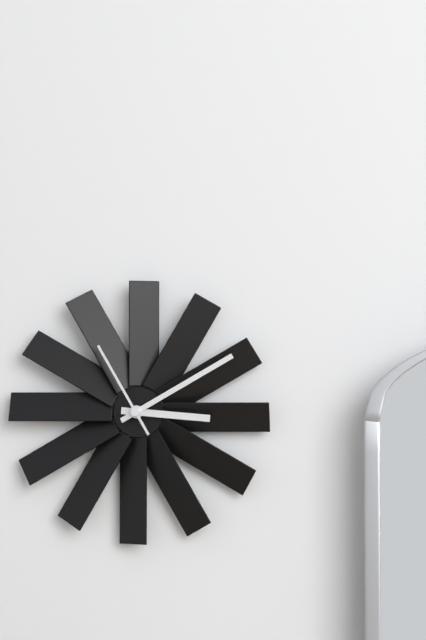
3:10:55
